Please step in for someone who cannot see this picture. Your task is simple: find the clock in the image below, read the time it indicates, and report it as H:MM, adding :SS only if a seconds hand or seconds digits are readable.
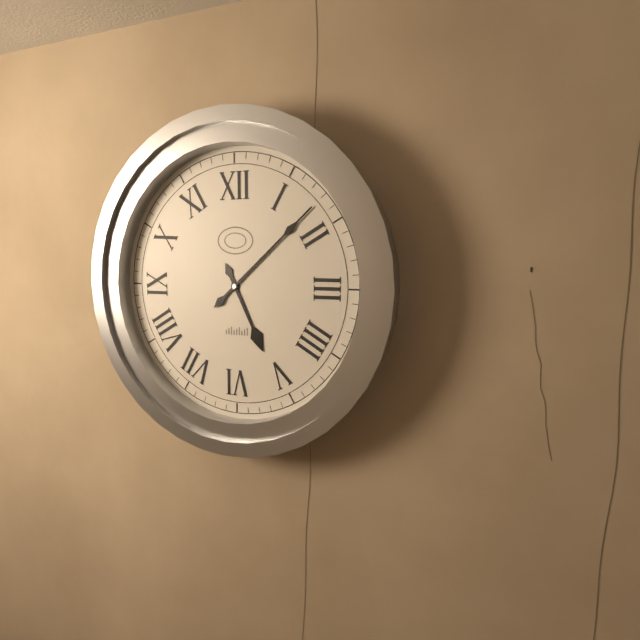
5:08
